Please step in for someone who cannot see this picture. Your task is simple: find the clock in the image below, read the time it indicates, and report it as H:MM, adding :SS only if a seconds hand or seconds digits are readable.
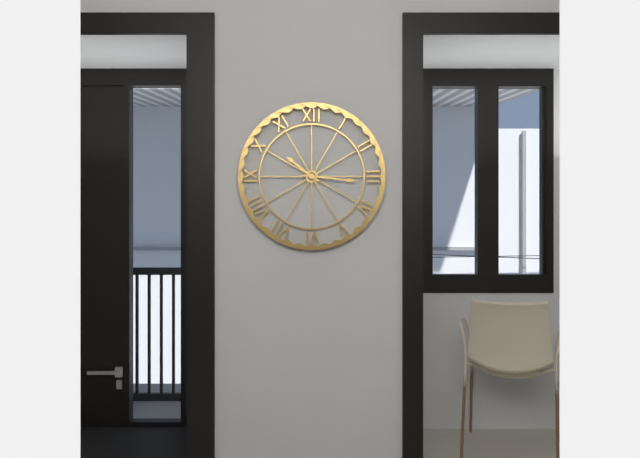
10:16
